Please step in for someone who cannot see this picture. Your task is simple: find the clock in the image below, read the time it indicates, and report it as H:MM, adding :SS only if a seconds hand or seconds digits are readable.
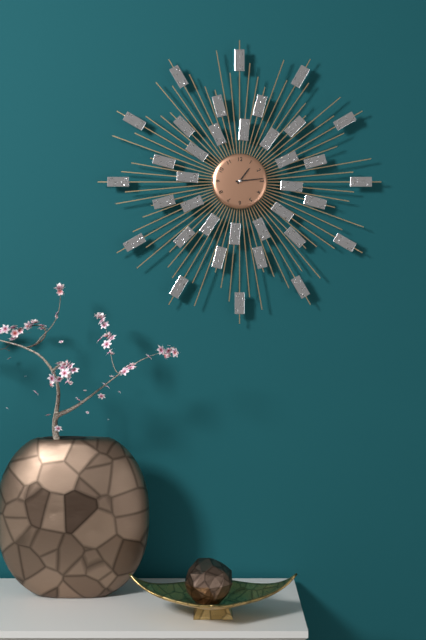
1:14
